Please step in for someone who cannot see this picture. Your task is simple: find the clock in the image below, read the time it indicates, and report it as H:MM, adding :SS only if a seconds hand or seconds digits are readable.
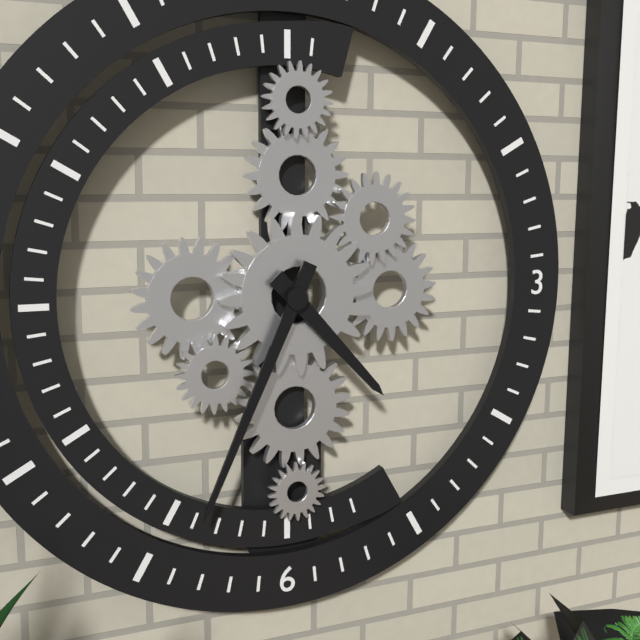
4:34
